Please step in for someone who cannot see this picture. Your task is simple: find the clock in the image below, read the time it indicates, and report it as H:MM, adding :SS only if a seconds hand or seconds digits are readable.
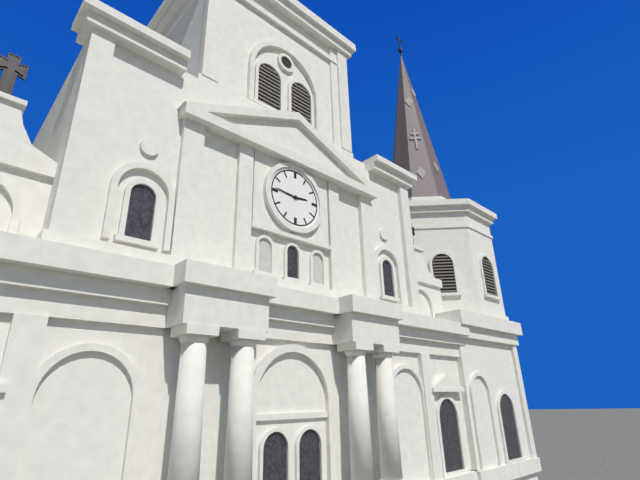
2:46
